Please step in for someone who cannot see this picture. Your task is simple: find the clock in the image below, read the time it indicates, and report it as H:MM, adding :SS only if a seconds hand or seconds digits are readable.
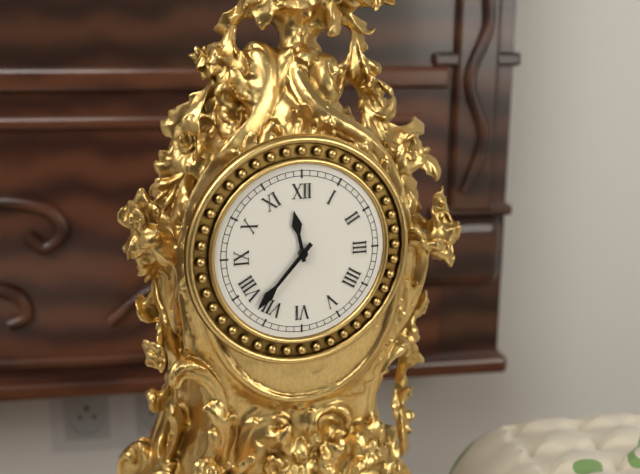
11:37
